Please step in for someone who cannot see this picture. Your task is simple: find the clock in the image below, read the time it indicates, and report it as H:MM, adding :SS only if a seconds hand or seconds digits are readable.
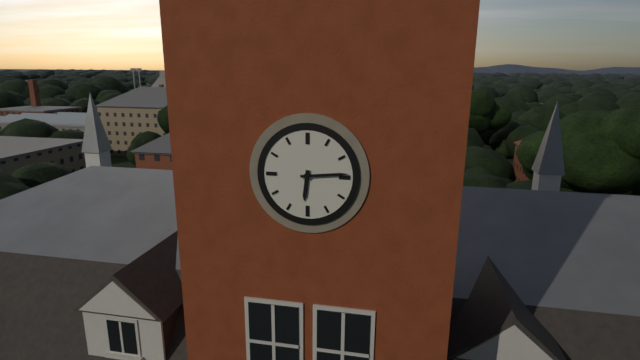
6:14
